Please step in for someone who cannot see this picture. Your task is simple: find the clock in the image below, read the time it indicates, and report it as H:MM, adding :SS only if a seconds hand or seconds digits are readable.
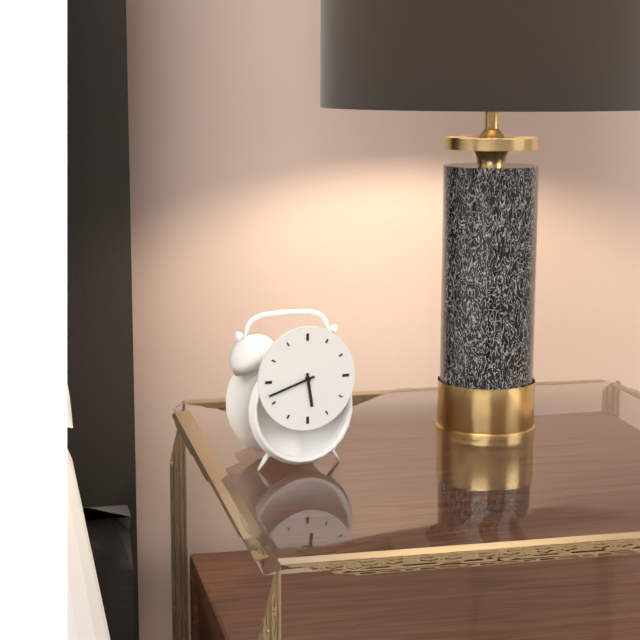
5:42
